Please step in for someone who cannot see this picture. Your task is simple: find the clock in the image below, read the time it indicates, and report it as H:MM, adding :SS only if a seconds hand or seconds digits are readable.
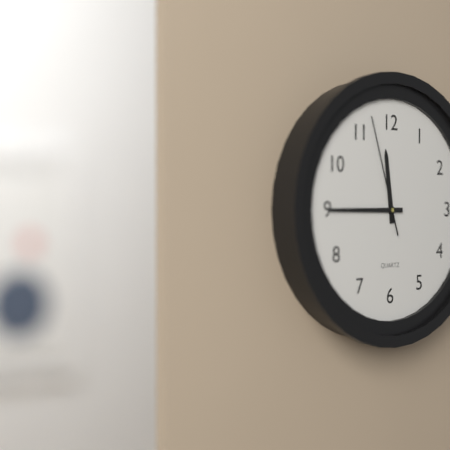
11:45:57
